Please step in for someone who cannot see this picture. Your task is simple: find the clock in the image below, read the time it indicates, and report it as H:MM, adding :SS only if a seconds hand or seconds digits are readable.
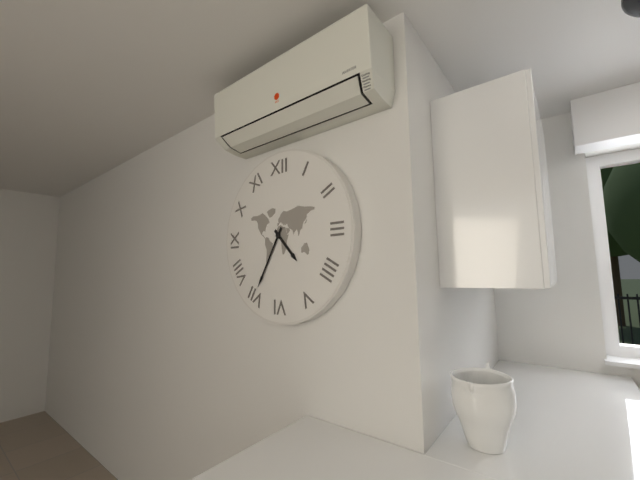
4:35
